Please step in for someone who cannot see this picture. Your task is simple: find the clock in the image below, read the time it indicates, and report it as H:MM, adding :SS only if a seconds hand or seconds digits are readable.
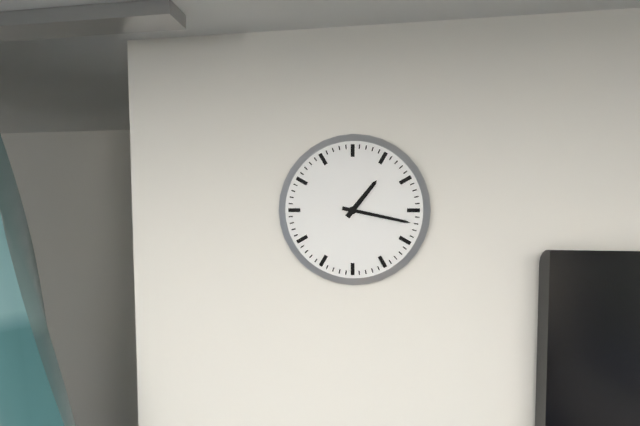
1:17
